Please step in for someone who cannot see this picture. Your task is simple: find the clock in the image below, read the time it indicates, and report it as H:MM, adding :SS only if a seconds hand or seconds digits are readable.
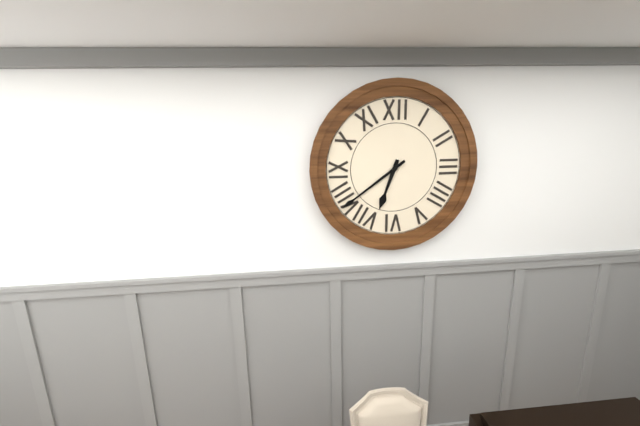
6:39
